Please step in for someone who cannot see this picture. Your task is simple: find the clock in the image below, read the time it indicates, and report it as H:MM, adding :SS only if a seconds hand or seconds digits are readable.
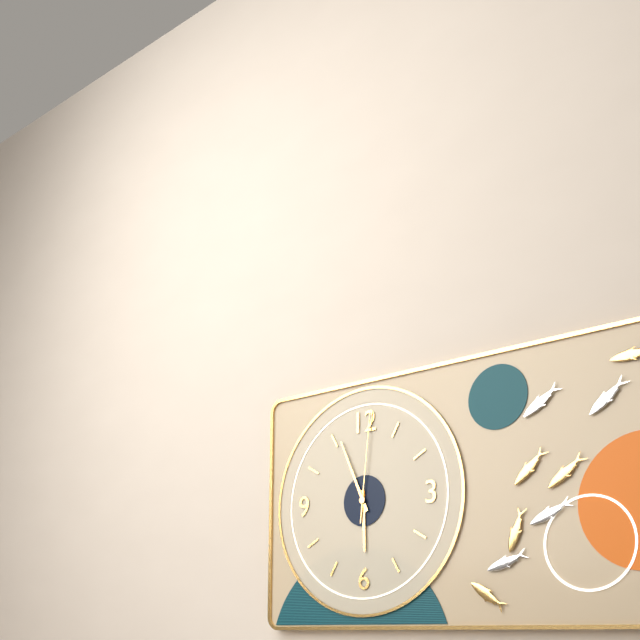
5:56:01
